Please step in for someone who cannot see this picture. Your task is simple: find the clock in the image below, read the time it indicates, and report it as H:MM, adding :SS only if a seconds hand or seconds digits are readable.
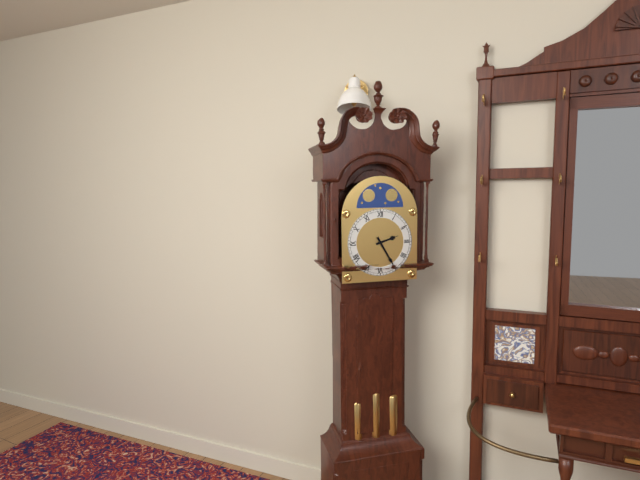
2:25
